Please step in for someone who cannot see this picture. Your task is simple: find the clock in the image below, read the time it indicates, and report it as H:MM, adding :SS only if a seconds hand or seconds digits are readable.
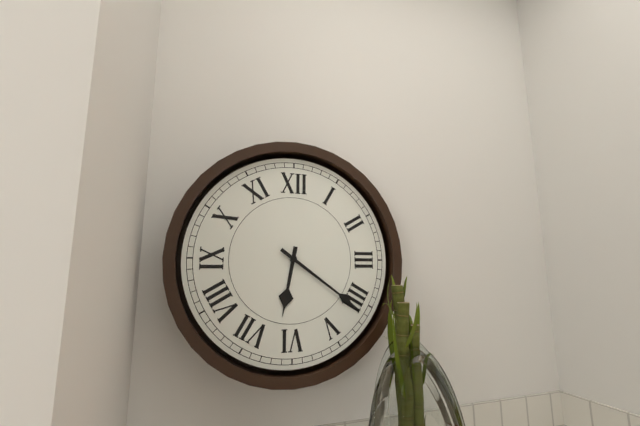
6:21
